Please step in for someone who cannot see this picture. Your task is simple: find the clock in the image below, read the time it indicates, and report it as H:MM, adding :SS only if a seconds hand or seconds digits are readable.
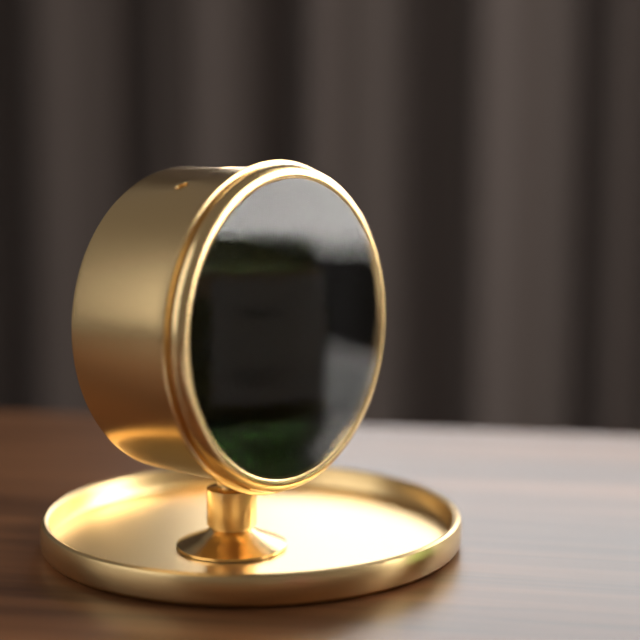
11:27:44
